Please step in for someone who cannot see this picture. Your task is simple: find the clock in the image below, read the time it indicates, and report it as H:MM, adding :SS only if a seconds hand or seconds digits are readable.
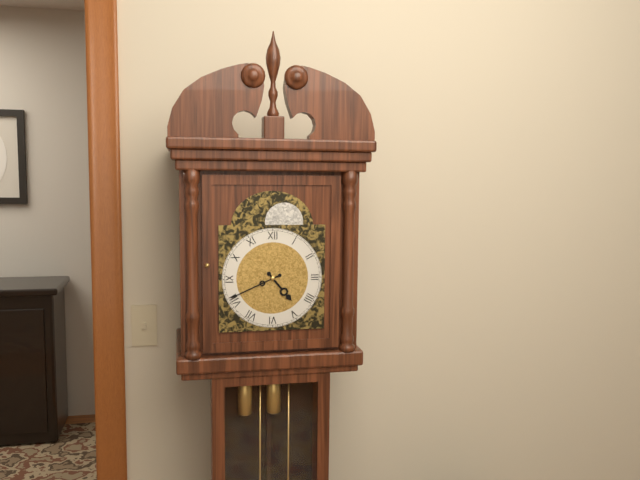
4:41
